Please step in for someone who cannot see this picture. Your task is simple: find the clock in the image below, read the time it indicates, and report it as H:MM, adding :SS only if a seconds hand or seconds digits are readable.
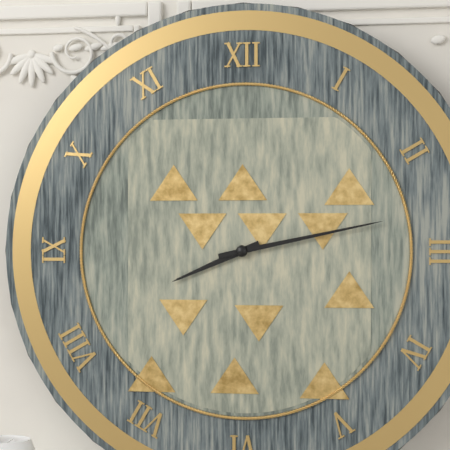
8:13
